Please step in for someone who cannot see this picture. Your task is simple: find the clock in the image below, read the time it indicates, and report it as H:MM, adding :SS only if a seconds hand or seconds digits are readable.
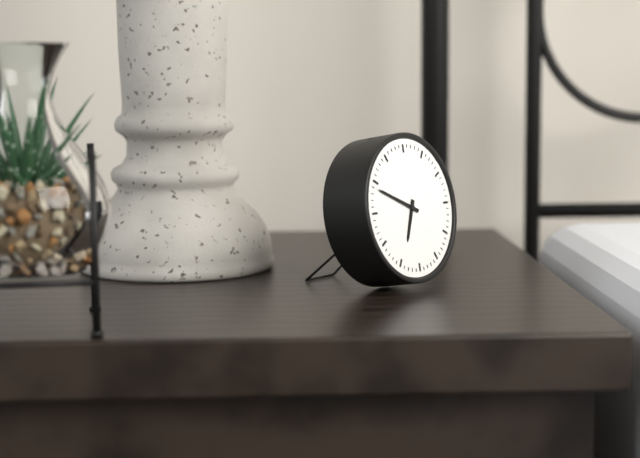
6:49
